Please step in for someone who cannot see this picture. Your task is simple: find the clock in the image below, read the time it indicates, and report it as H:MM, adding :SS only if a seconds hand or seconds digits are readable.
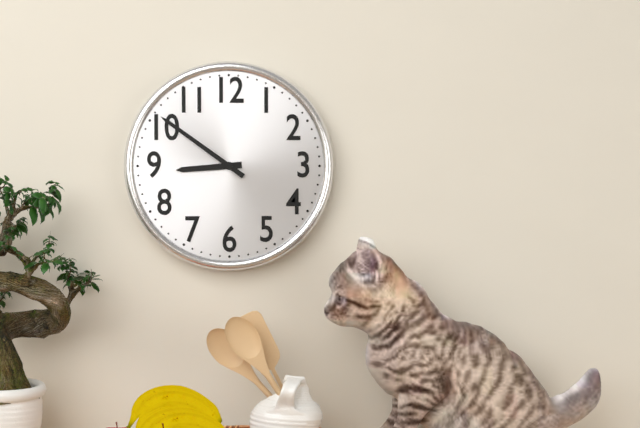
8:51
